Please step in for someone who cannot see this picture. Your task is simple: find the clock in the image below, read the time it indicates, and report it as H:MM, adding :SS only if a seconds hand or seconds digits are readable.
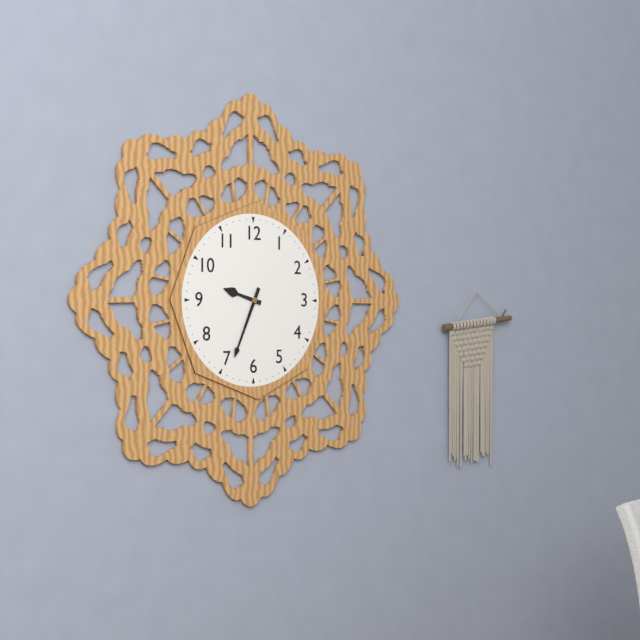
9:34
